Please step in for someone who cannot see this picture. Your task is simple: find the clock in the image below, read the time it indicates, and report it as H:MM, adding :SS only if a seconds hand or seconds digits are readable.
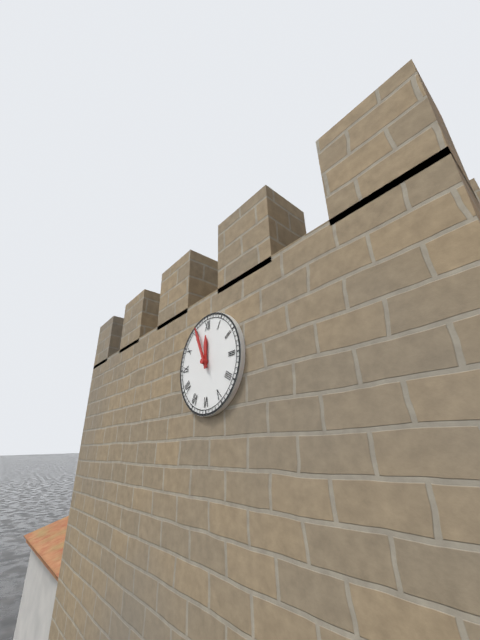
11:56
